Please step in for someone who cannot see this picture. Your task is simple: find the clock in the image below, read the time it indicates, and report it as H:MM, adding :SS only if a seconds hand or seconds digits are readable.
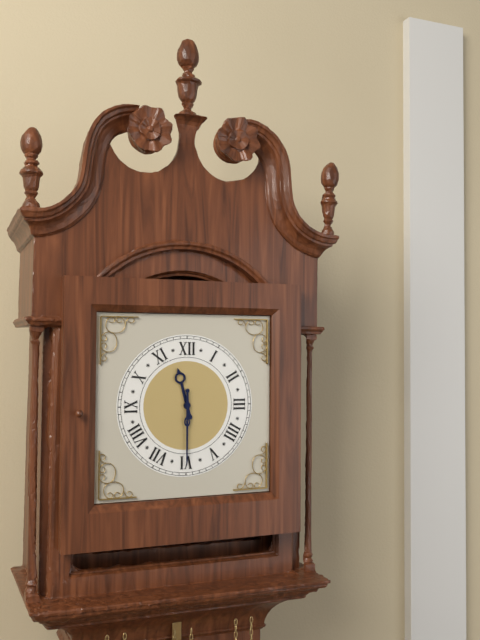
11:30
